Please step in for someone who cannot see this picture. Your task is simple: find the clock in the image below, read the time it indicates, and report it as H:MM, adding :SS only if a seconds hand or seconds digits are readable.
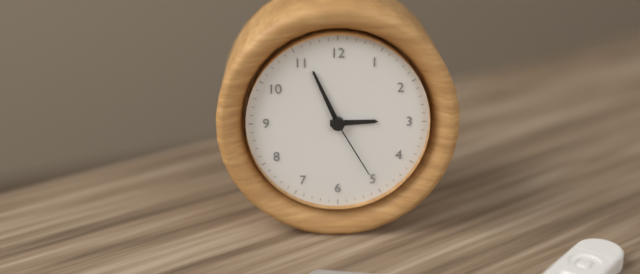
2:56:25
